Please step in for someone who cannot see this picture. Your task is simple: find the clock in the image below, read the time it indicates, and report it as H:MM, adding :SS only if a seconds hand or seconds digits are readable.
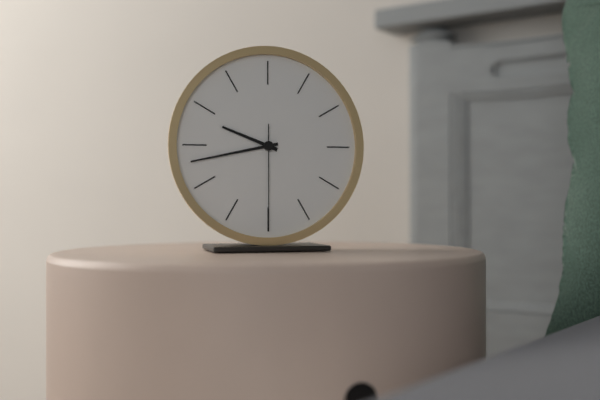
9:43:30
